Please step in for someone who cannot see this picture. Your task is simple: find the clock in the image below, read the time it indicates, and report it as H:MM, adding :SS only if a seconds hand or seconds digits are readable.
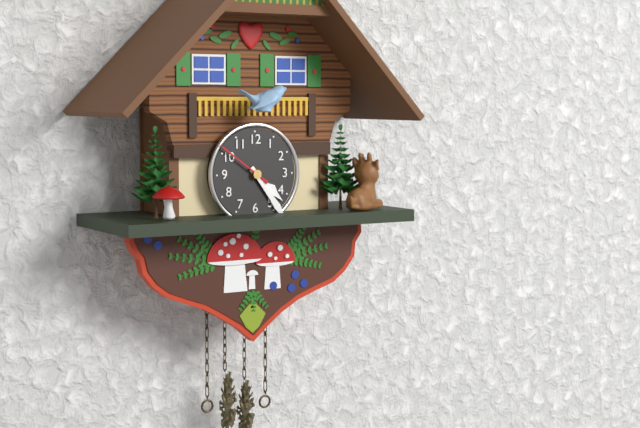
4:24:51
